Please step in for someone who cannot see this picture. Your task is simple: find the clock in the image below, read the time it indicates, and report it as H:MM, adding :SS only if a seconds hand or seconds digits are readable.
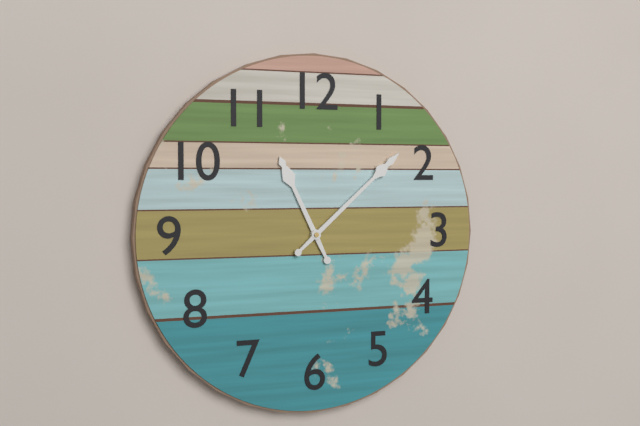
11:08
